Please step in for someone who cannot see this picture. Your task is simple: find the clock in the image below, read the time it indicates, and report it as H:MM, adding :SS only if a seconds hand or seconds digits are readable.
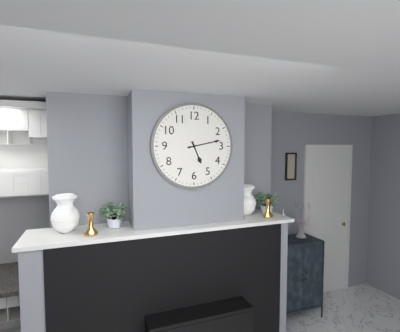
5:13
